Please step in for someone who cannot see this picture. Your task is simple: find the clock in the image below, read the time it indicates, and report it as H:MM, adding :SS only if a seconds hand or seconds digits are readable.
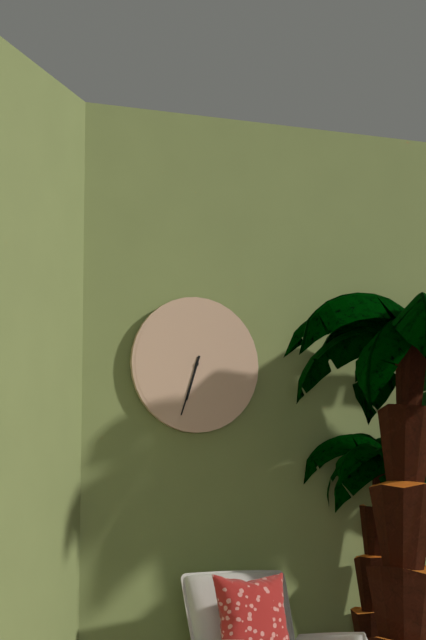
6:33
